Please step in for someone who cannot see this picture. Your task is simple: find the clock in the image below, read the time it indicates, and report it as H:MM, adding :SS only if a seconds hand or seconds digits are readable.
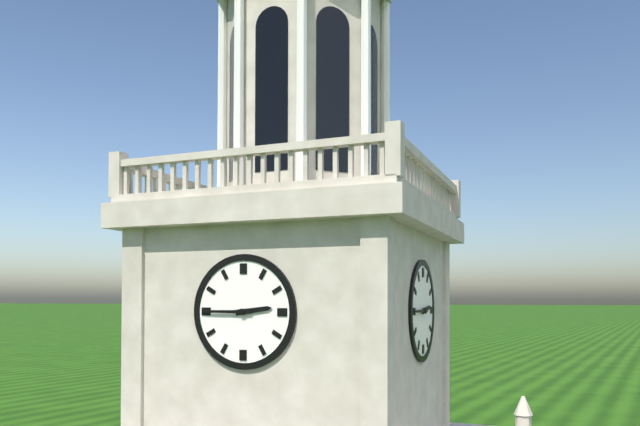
2:45
